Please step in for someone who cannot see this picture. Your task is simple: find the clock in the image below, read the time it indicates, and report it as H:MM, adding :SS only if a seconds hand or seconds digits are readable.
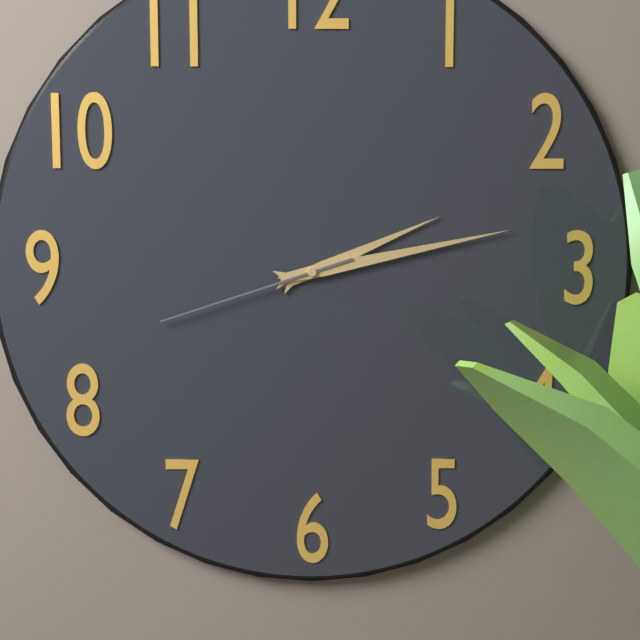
2:13:42
